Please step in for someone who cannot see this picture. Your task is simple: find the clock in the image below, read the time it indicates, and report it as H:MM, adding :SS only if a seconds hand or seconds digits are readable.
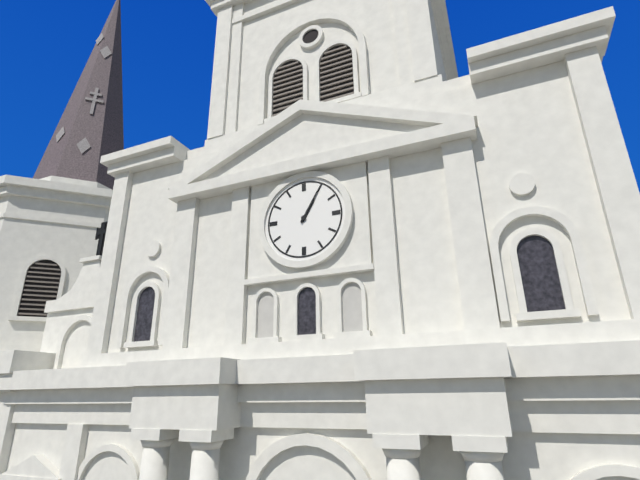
1:05
